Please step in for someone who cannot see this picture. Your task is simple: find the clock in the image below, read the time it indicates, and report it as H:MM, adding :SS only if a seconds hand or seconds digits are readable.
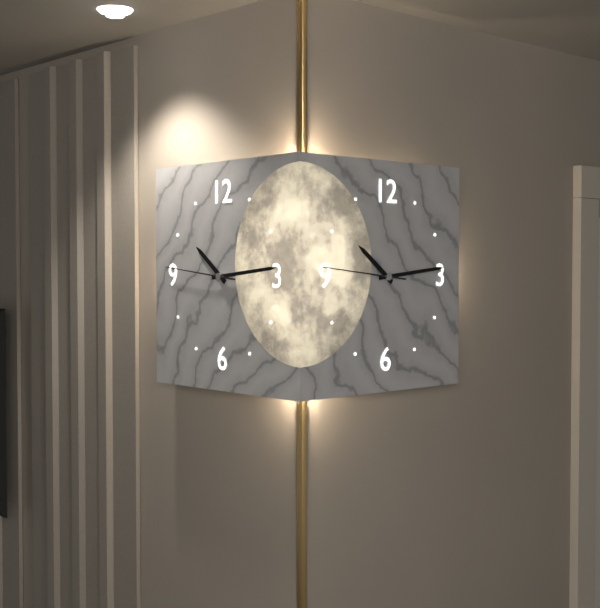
10:14:46
